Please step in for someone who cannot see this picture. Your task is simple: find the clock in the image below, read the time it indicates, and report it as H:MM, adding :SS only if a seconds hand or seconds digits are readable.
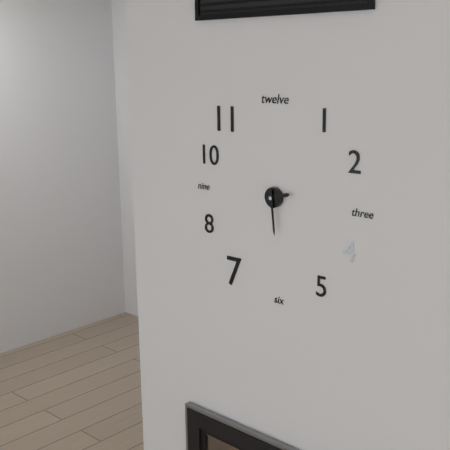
2:29
